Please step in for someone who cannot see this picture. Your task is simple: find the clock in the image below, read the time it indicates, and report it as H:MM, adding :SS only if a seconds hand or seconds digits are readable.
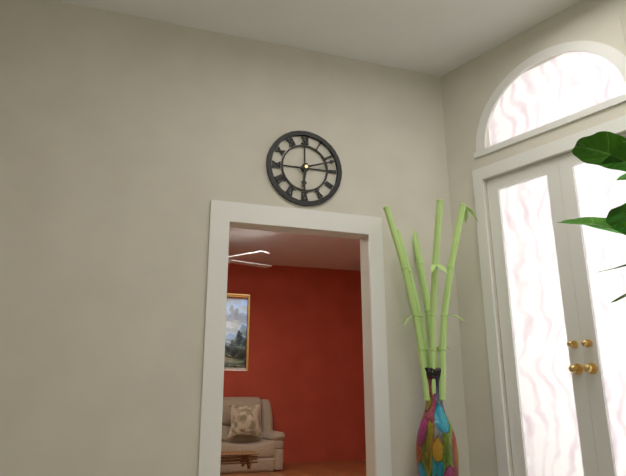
6:12
